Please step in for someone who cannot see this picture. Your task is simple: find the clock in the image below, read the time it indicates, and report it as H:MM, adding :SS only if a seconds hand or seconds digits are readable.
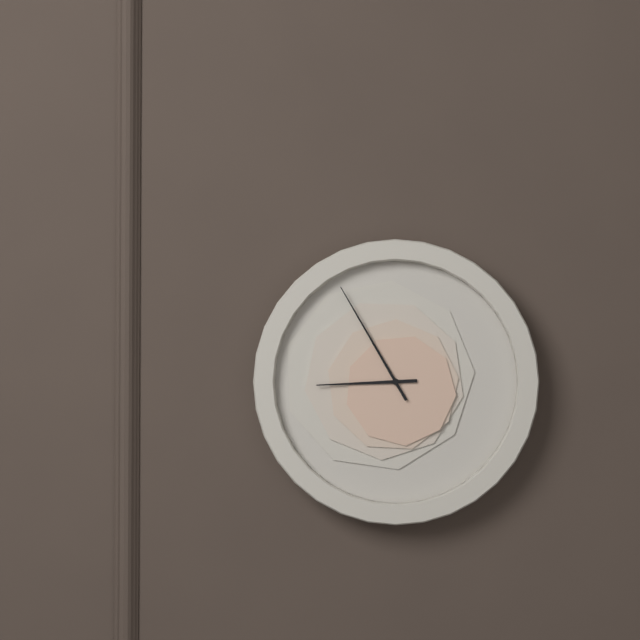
8:55
